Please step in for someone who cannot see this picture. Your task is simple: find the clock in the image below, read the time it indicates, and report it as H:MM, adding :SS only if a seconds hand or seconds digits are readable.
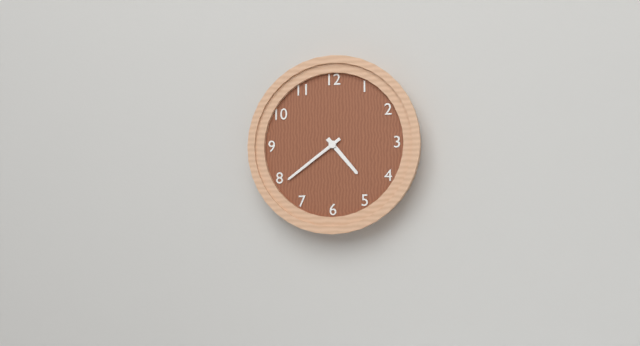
4:39
